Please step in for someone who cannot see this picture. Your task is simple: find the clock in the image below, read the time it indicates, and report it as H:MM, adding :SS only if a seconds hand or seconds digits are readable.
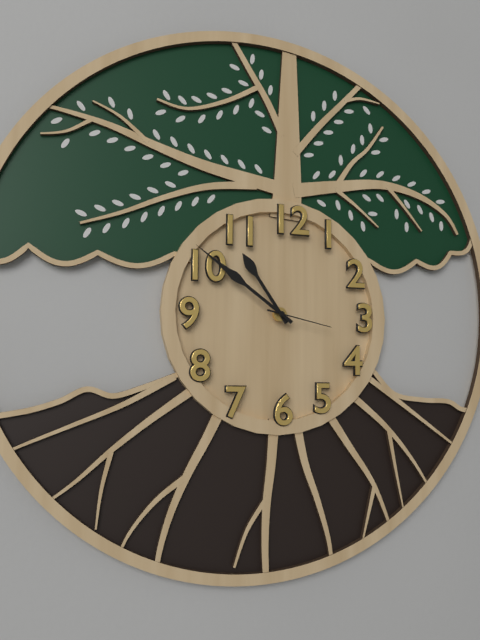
10:51:17
